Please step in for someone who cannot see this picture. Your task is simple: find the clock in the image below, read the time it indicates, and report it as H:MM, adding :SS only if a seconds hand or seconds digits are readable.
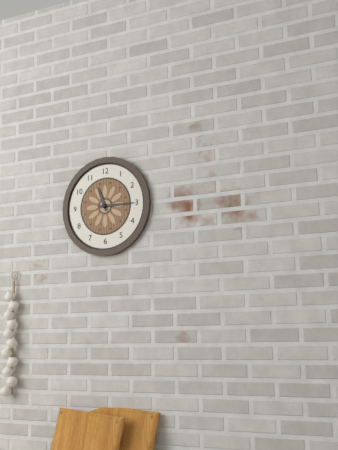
11:15
